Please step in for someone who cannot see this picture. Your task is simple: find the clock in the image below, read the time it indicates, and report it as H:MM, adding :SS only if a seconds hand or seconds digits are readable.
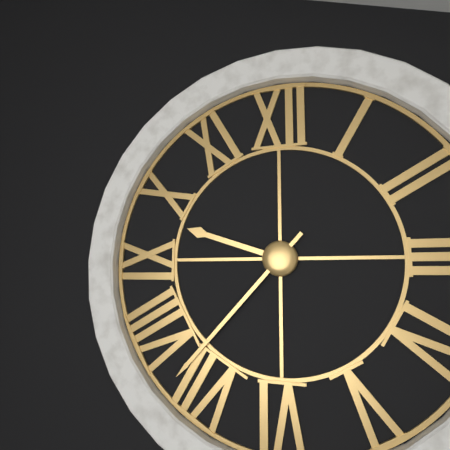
9:37
